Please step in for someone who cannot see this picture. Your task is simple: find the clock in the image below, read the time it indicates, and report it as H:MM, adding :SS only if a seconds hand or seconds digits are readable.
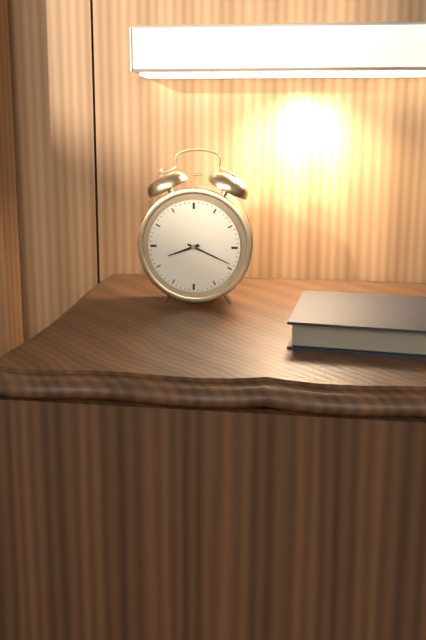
8:19
